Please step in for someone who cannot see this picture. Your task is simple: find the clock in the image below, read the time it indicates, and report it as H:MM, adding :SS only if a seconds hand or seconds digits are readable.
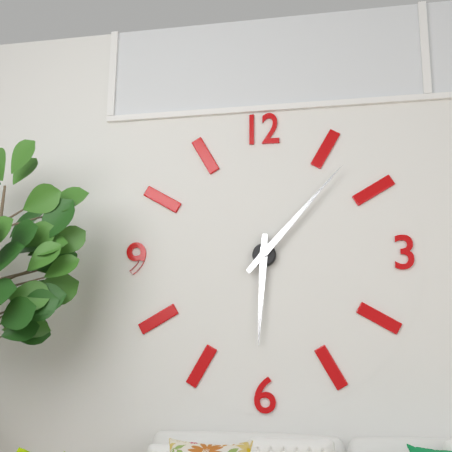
6:07
